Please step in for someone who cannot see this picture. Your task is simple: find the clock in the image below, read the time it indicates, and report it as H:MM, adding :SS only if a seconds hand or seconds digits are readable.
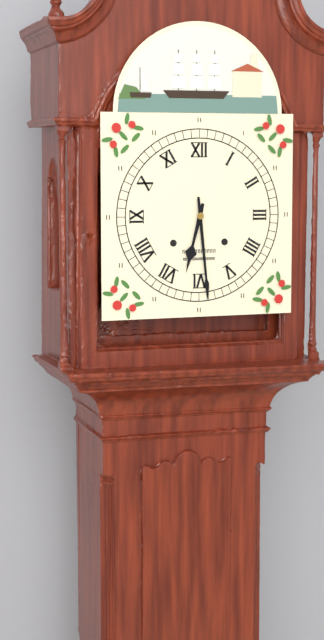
6:29
